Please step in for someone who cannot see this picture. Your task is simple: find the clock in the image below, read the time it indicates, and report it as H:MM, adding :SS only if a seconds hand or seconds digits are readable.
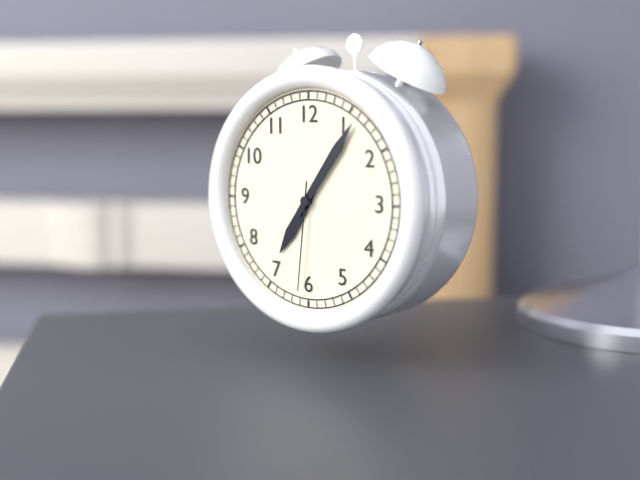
7:06:31
